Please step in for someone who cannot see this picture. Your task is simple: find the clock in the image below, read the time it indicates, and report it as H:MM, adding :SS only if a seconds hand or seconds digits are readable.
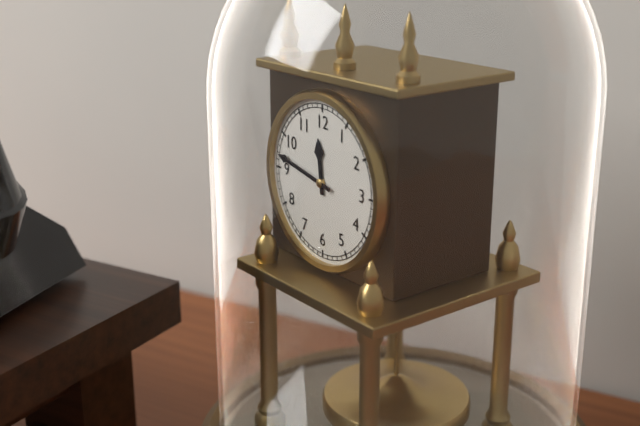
11:47
